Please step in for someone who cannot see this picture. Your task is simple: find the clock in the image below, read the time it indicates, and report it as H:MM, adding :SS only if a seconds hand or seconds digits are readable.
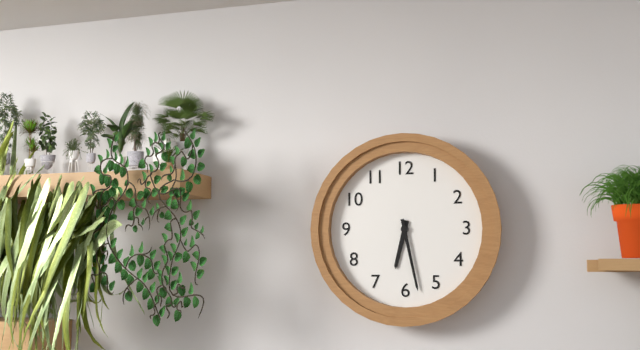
6:28
